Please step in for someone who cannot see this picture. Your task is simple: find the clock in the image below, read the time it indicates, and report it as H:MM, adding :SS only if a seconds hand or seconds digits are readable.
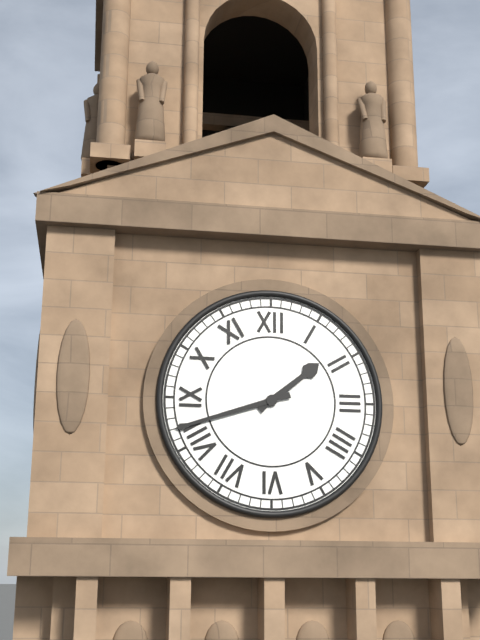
1:42
